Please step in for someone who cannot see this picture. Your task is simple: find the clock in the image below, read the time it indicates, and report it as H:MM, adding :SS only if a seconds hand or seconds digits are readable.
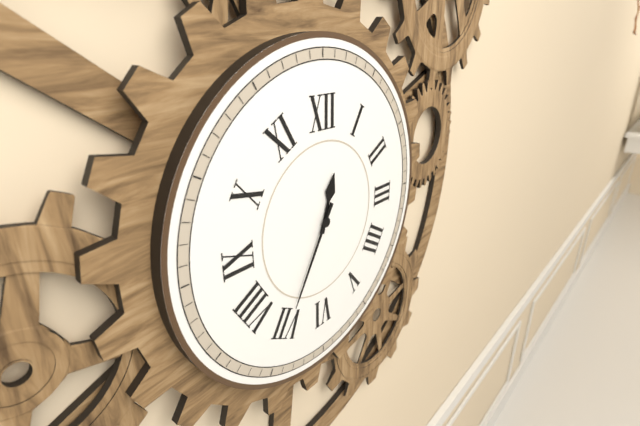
12:35
